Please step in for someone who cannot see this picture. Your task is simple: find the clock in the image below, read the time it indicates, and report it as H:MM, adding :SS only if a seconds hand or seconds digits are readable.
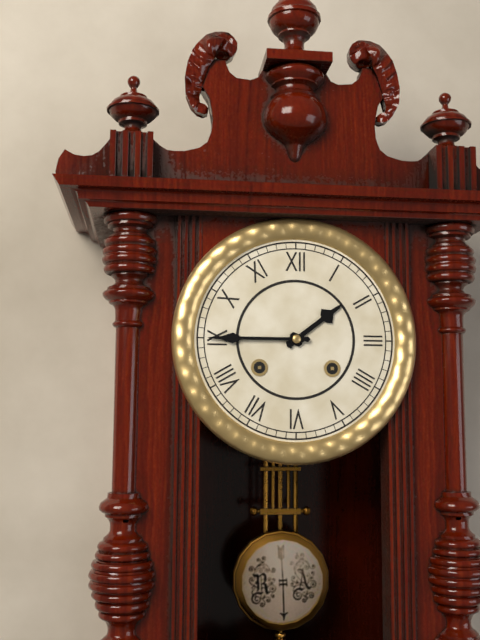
1:45
